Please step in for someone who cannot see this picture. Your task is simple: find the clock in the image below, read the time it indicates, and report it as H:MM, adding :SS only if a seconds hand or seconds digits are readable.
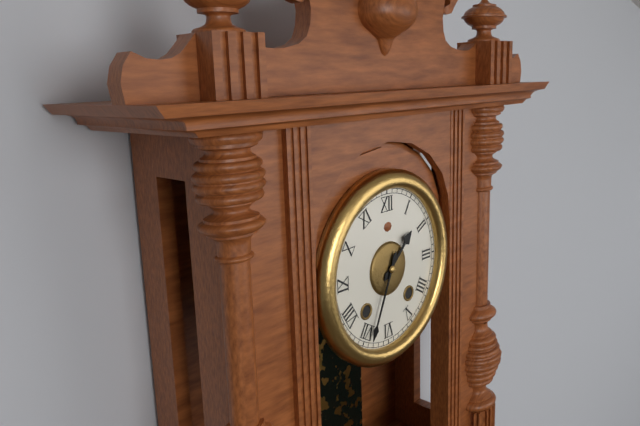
1:34
